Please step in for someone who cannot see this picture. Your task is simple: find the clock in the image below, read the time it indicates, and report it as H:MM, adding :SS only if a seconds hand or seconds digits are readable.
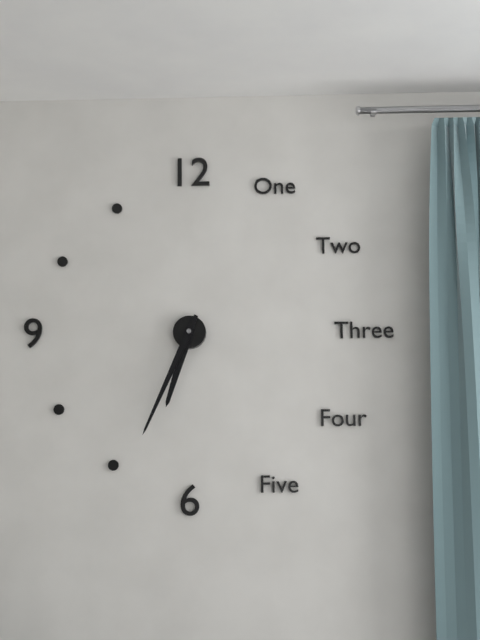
6:34
